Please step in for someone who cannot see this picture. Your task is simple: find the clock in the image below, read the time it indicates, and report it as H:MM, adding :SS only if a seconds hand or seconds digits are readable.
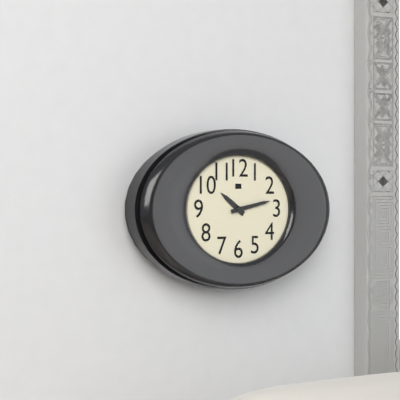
10:13
